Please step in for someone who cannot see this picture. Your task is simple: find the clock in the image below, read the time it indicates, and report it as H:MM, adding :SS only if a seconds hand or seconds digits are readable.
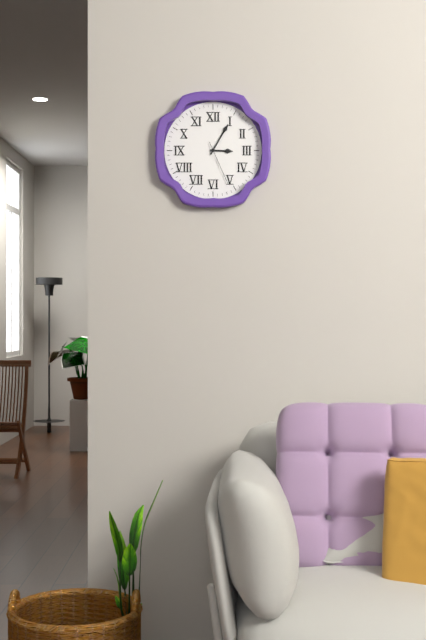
3:05
